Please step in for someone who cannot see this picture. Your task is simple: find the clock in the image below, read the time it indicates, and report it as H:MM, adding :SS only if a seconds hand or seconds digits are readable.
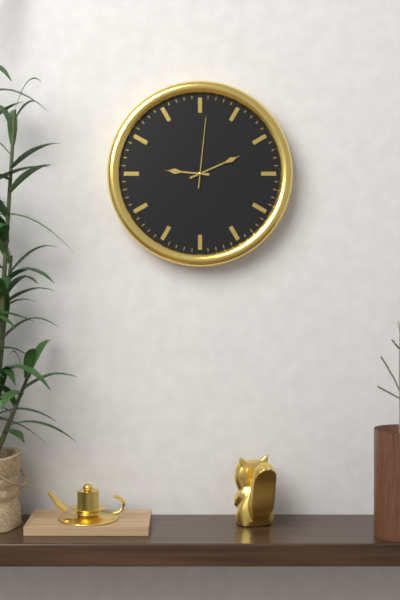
9:11:01
